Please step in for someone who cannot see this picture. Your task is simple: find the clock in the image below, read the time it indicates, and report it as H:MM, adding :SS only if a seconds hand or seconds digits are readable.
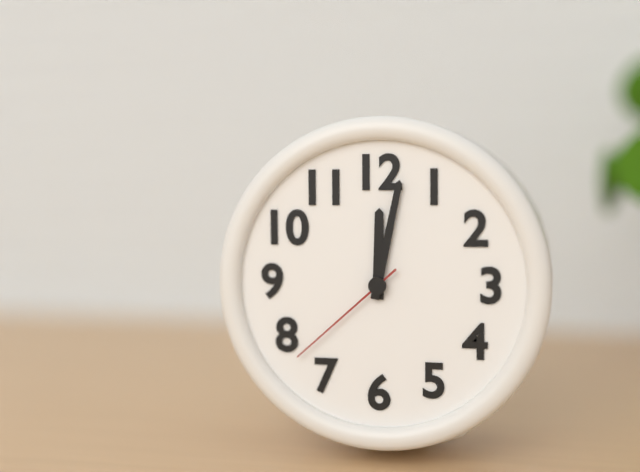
12:02:38
